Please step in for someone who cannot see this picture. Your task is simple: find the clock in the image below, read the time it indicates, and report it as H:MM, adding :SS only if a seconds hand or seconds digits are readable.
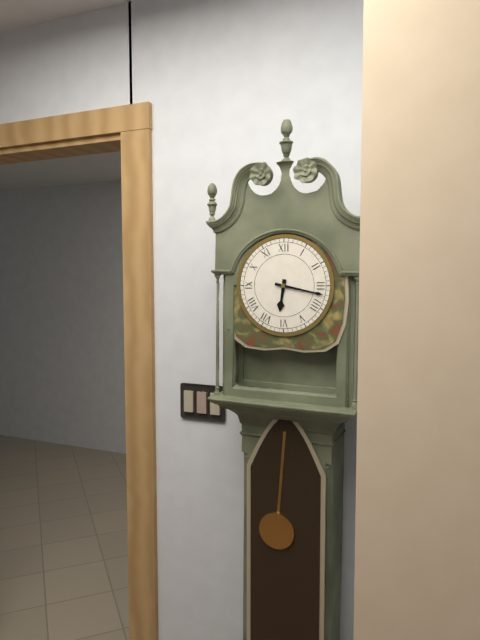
6:17
